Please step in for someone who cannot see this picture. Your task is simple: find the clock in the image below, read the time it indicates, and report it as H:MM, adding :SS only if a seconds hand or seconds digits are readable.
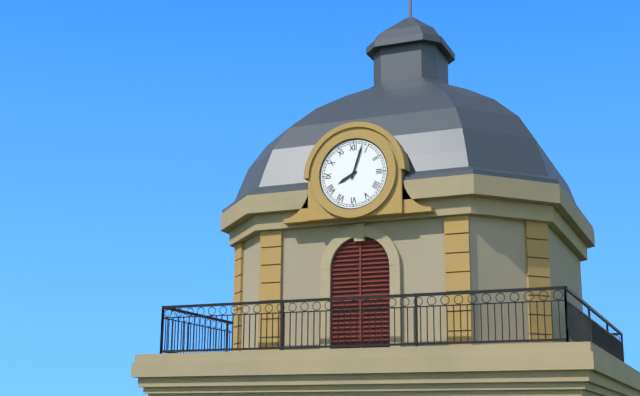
8:03
